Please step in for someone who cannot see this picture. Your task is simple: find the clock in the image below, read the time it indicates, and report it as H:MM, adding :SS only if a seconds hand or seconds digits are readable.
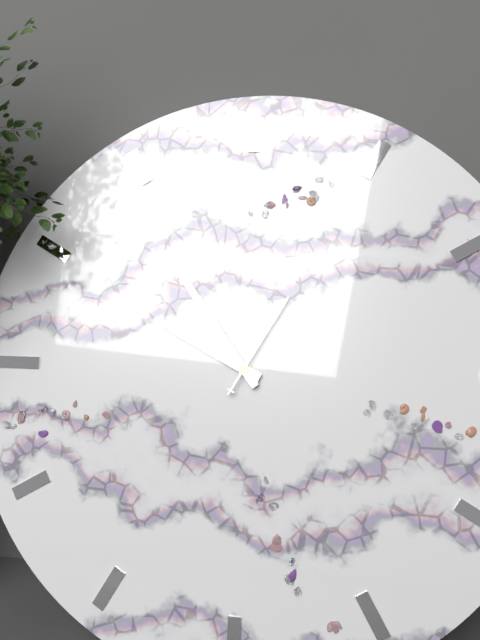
9:54:05
